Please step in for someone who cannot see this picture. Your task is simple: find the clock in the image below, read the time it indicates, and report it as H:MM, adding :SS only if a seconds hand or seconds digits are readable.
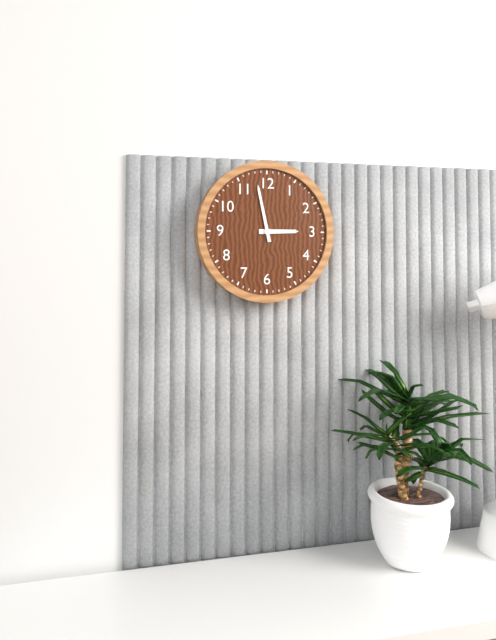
2:58
